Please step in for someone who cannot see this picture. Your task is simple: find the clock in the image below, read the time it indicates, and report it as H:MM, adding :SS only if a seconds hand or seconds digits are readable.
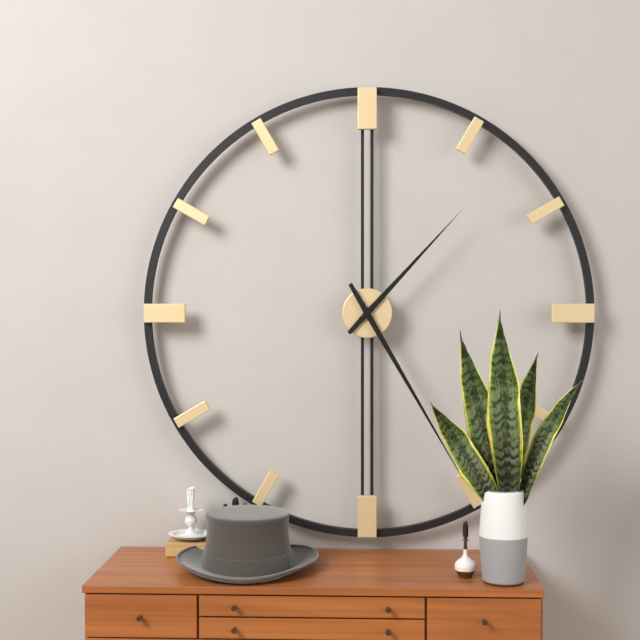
1:25
